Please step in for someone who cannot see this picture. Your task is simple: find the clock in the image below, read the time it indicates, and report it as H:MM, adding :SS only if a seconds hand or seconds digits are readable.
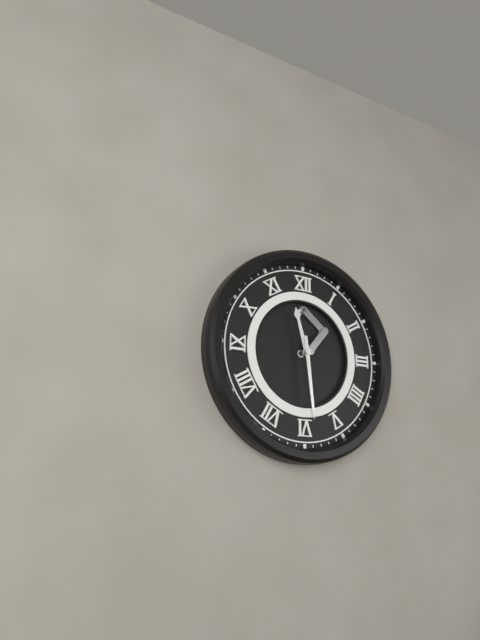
11:29
